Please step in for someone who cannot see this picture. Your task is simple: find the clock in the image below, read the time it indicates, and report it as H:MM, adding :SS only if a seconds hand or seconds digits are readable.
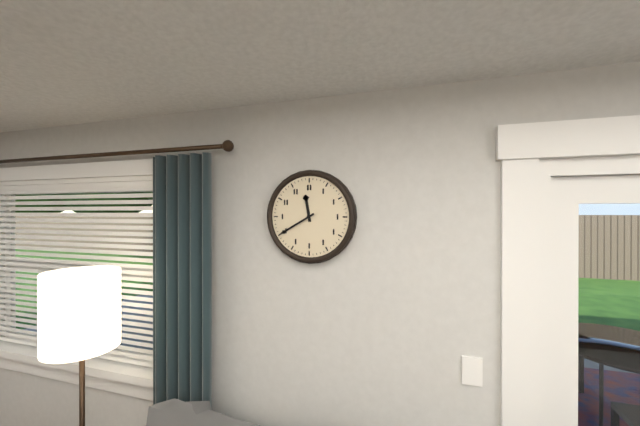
11:40
